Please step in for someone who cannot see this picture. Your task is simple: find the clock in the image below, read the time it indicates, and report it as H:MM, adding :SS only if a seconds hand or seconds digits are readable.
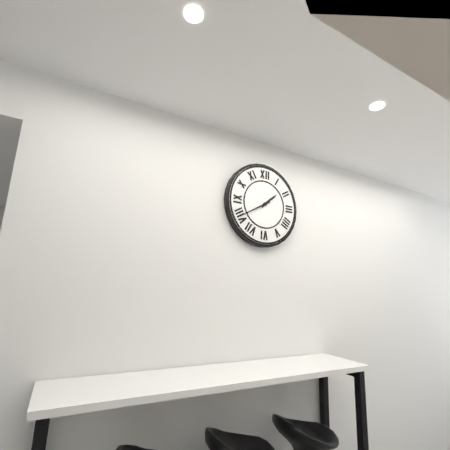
1:40
